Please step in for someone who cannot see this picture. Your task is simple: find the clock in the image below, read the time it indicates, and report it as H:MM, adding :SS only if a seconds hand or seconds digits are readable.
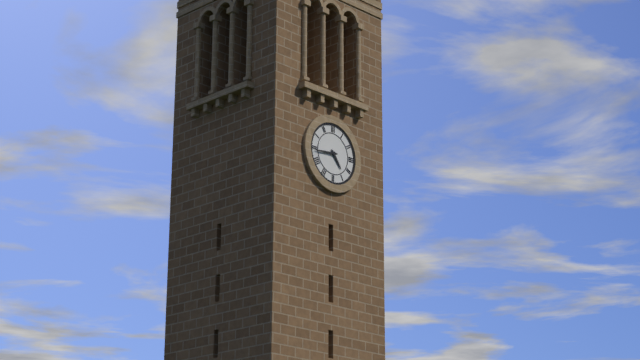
4:44
